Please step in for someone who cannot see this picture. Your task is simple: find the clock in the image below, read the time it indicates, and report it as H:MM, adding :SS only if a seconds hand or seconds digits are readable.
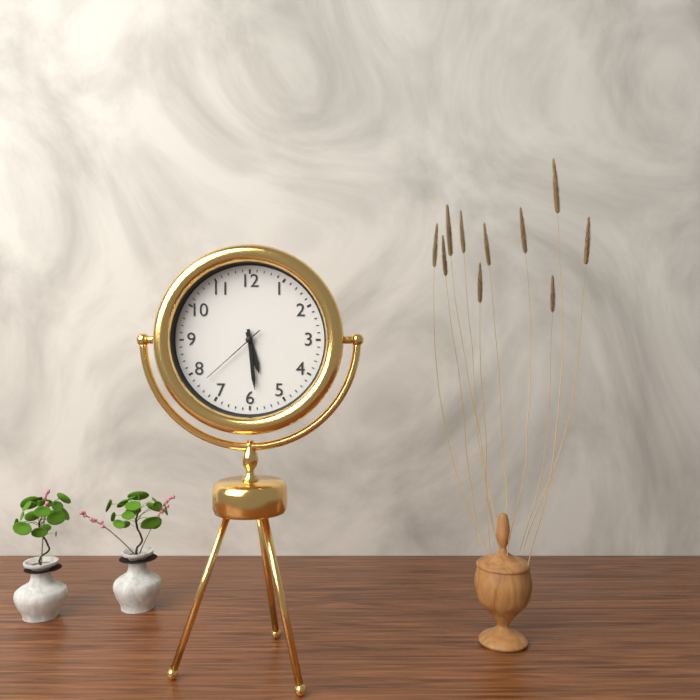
5:29:38
